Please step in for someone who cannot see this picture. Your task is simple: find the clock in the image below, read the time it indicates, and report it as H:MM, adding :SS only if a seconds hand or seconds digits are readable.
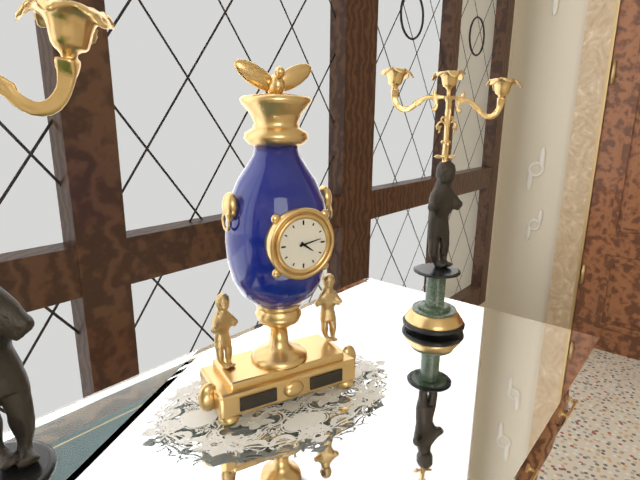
4:13
